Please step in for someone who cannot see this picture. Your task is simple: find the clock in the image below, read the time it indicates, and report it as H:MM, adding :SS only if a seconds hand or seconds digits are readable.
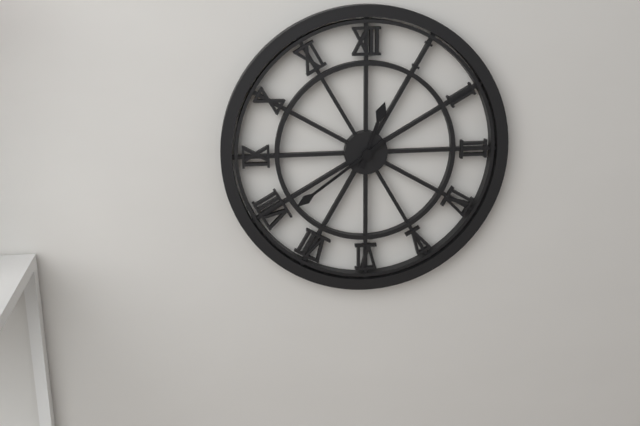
12:39
